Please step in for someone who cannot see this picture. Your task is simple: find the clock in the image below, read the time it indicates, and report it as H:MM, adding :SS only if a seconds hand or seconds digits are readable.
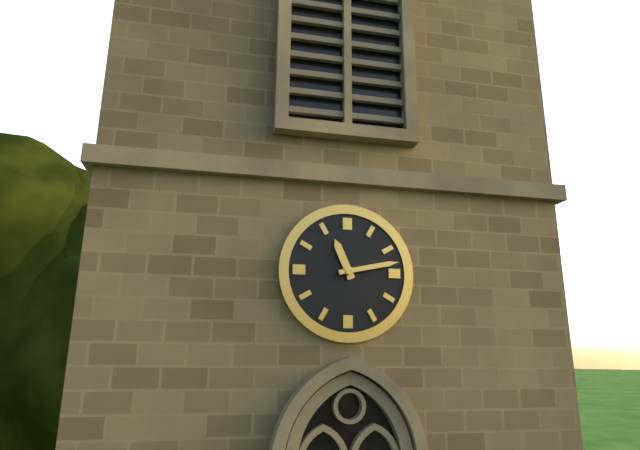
11:13
